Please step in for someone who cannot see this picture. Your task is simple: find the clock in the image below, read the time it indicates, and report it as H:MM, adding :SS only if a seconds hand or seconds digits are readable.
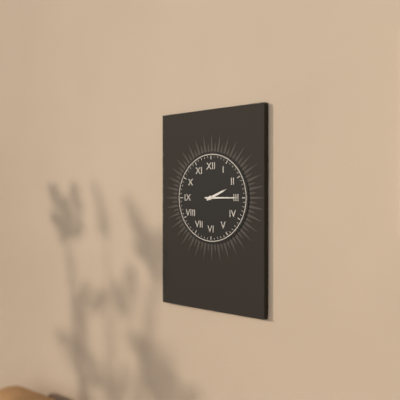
2:15
